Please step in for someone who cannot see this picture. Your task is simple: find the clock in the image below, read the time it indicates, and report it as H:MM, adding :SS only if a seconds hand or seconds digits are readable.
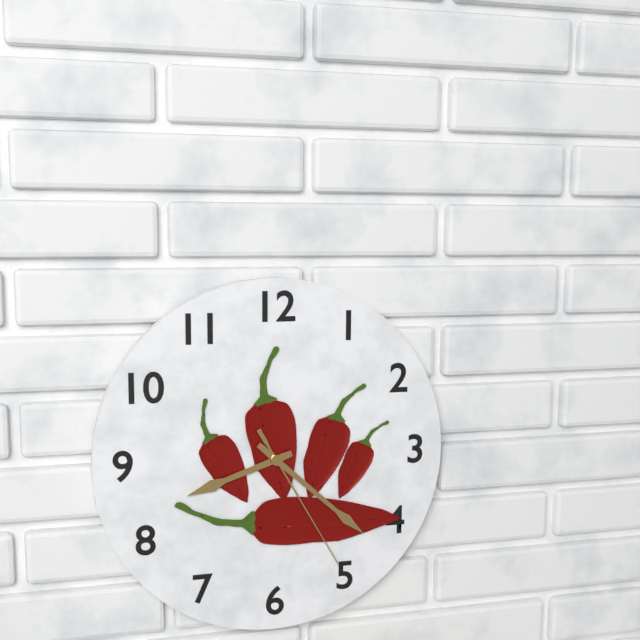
8:22:25
